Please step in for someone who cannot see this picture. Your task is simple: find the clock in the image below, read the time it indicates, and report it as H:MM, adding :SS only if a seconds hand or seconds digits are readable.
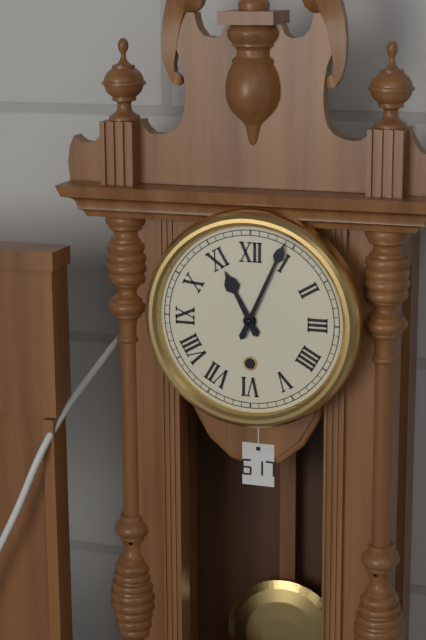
11:04
